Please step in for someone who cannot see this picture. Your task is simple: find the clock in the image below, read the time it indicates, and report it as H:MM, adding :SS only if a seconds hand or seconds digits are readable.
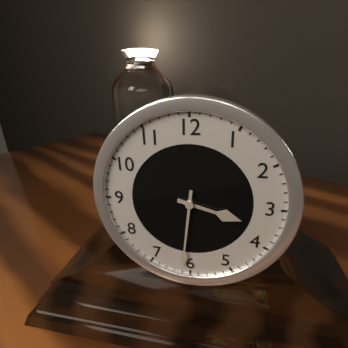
3:31
